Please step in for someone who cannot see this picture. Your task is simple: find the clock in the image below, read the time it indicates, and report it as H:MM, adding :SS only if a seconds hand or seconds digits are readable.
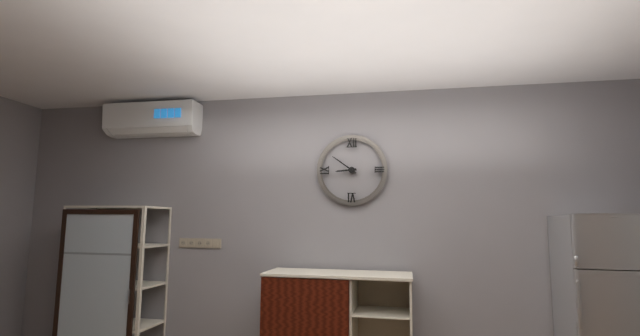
8:51
